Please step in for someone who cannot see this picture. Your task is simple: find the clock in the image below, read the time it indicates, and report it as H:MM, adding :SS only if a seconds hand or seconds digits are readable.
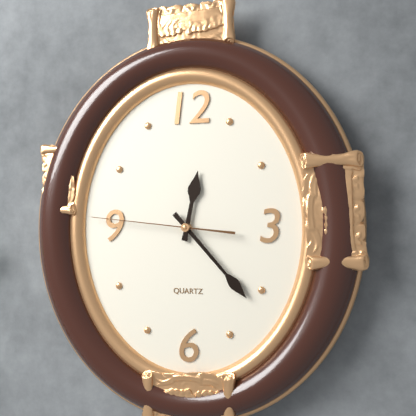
12:23:46
